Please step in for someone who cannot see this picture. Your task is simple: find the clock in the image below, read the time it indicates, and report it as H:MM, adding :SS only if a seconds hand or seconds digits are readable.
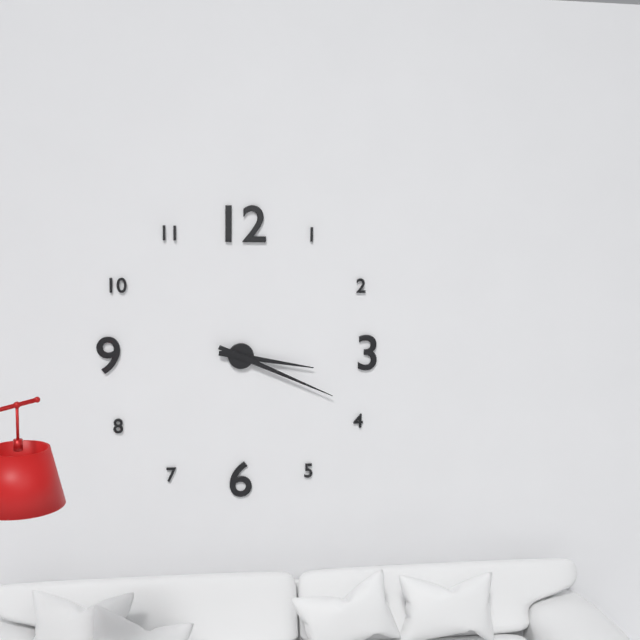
3:19
